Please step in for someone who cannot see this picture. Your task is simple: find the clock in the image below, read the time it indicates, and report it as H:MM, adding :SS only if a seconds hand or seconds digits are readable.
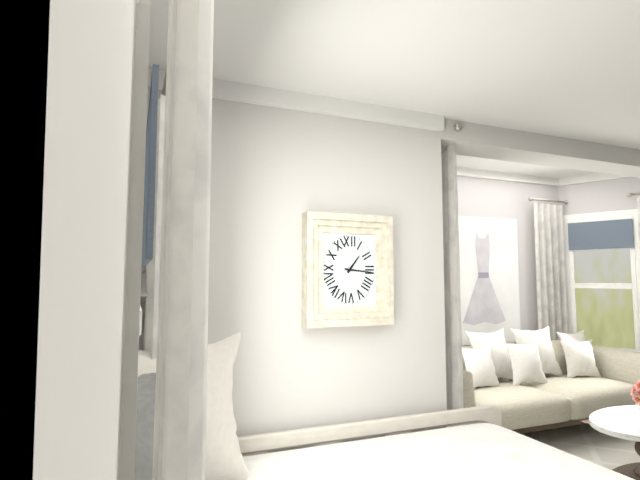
1:16
